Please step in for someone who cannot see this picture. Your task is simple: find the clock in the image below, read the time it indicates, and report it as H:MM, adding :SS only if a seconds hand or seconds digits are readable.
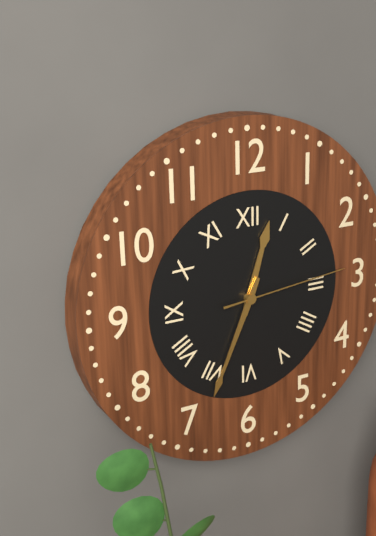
12:34:14
